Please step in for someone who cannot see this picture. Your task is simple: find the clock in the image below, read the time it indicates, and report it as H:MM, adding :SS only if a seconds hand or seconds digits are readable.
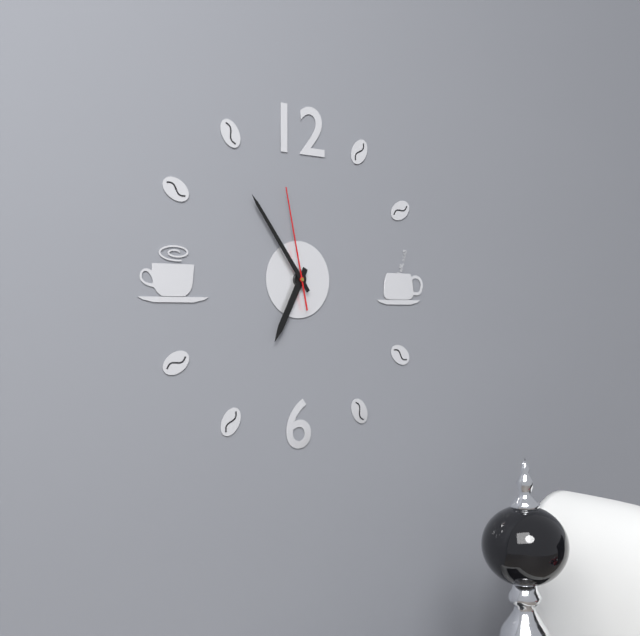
6:54:58
